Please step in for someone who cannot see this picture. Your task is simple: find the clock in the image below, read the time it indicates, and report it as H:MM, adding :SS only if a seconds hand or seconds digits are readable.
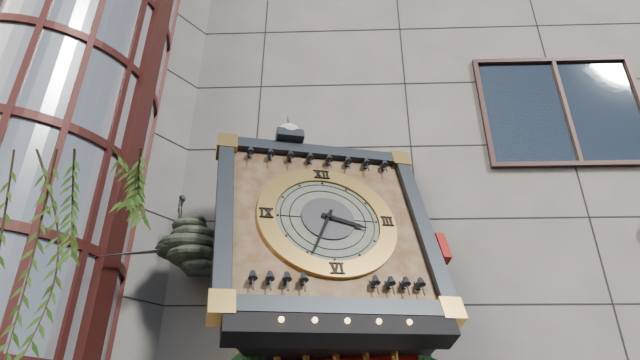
3:34
